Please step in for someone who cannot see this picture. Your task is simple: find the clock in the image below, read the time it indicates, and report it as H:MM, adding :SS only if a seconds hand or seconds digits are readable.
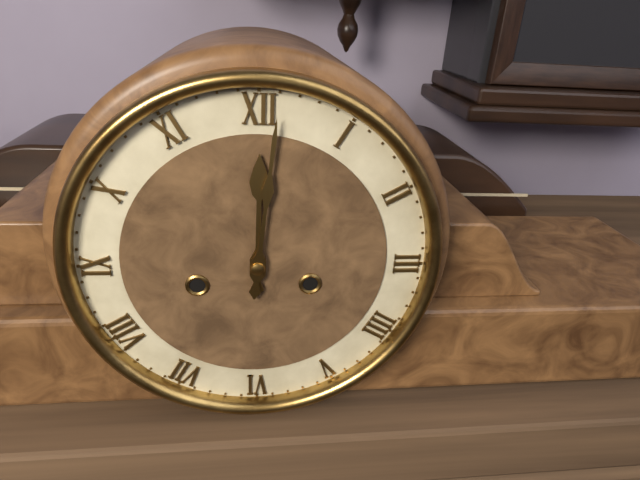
12:01
